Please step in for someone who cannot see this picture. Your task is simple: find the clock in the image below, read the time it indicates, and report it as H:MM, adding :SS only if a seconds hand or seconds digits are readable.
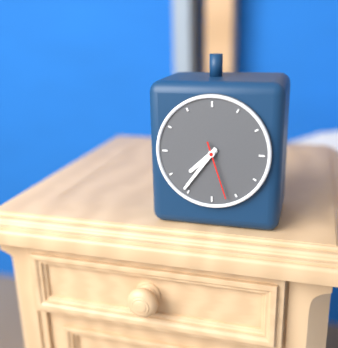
7:36:27
